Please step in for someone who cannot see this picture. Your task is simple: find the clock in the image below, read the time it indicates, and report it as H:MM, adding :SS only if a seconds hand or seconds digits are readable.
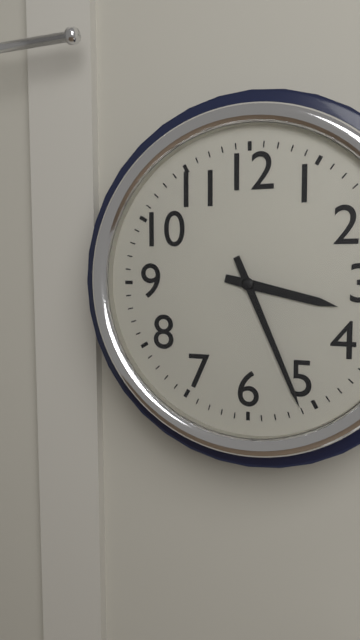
3:26
